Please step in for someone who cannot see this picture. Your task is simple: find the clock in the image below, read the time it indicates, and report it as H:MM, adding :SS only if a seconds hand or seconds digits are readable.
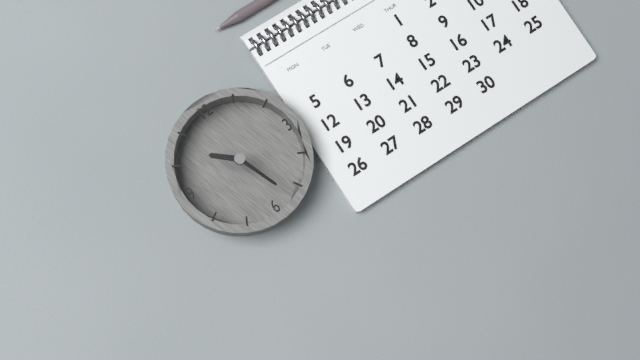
10:27
